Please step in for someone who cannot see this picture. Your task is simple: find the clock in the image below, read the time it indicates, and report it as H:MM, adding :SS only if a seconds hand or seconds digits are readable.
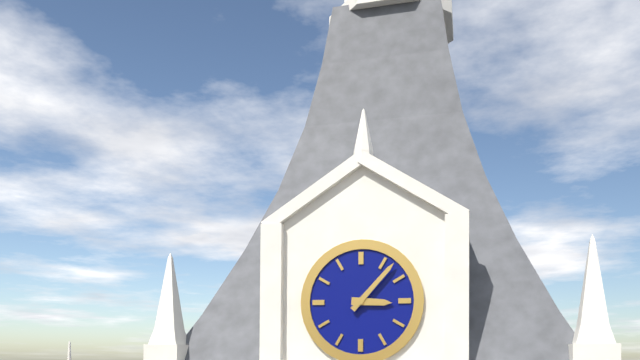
3:07
